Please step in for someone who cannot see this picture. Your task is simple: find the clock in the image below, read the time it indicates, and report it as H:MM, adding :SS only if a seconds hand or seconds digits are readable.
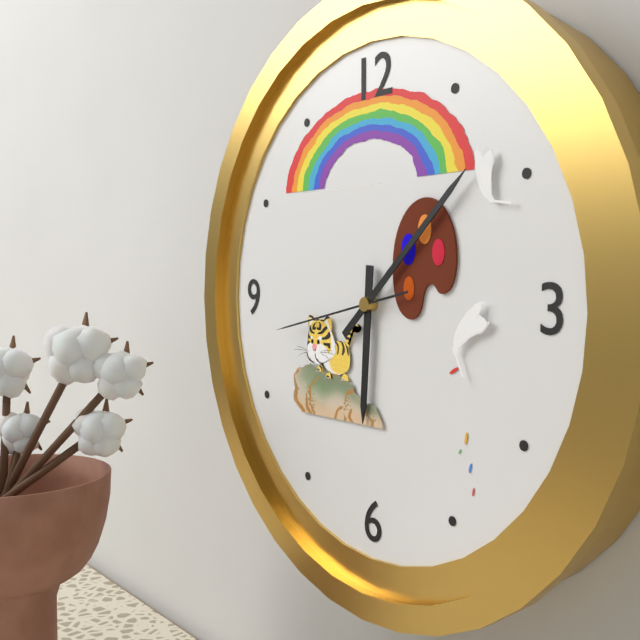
6:08:43
